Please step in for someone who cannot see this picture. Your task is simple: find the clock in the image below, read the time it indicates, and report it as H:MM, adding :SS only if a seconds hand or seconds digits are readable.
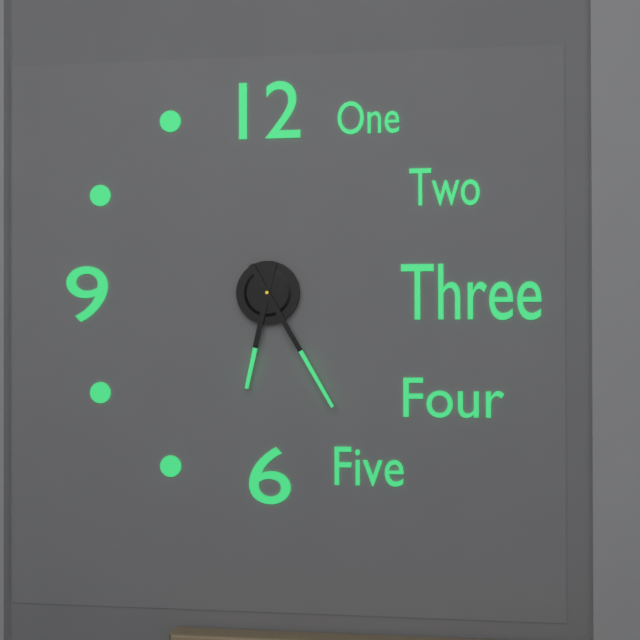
6:25
